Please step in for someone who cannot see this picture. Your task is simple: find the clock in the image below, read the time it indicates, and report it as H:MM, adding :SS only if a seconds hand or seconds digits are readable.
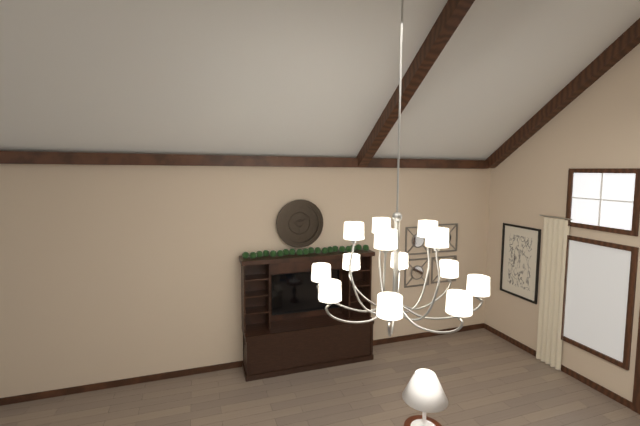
1:49
